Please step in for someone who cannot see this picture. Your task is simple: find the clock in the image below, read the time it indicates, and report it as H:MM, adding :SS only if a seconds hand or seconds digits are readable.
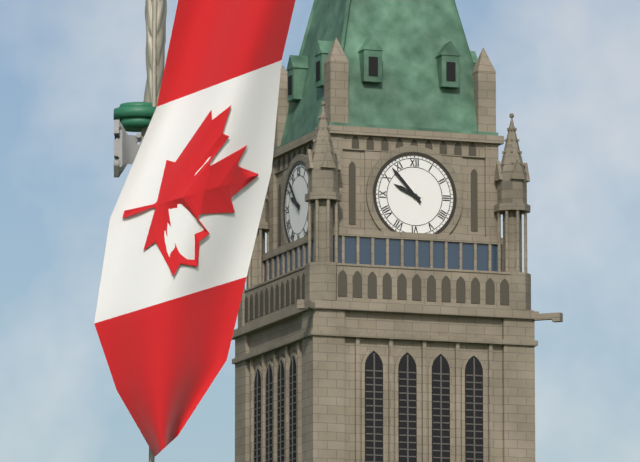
9:53
